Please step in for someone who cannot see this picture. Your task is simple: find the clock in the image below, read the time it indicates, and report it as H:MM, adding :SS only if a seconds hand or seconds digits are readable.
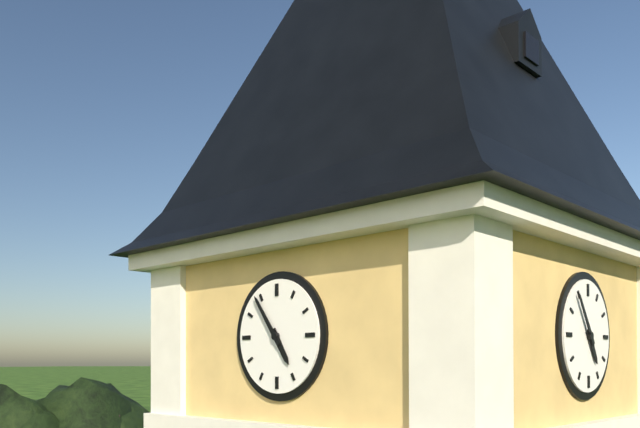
4:54
